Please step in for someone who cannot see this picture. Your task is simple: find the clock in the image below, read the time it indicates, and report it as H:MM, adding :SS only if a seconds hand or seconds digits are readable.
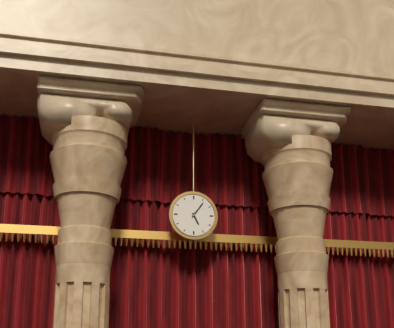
5:06
